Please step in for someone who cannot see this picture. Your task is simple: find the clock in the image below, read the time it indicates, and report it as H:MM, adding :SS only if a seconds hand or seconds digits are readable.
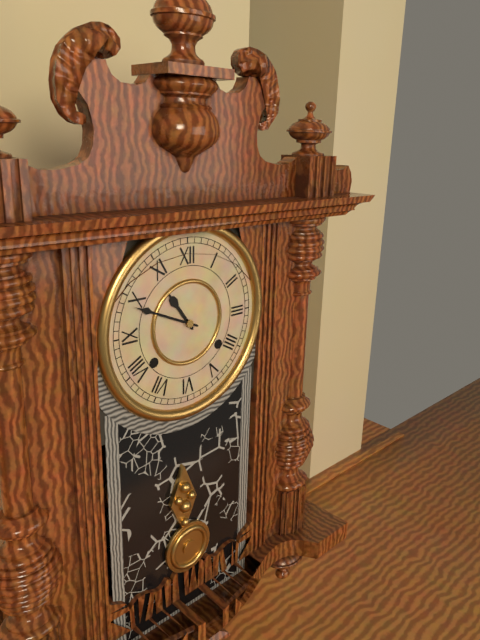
10:49
